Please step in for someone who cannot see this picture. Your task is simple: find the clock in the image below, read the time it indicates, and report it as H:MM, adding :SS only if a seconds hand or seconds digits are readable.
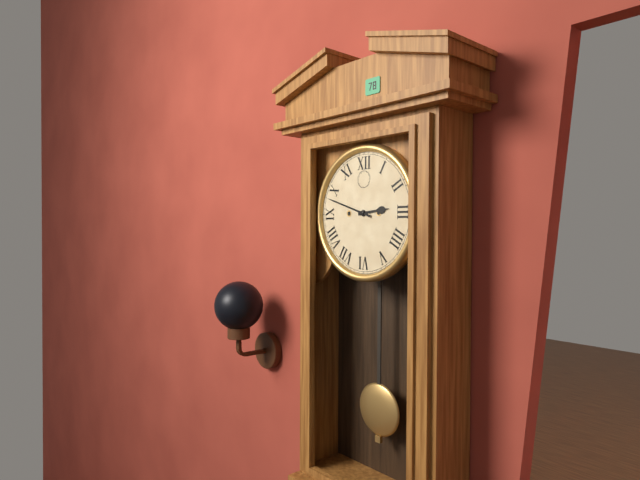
2:48
